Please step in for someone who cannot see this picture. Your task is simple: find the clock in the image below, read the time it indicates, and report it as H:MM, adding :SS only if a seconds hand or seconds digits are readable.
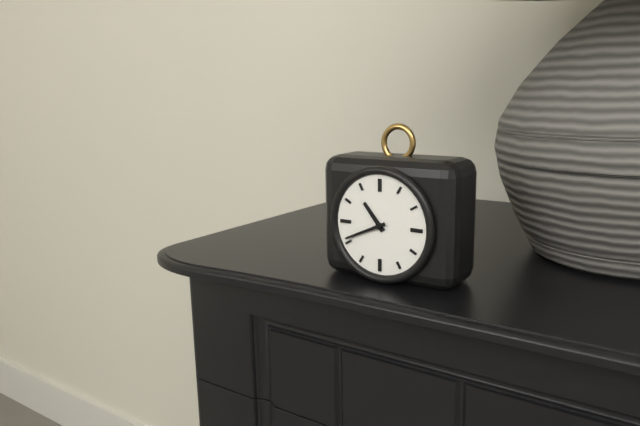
10:41
